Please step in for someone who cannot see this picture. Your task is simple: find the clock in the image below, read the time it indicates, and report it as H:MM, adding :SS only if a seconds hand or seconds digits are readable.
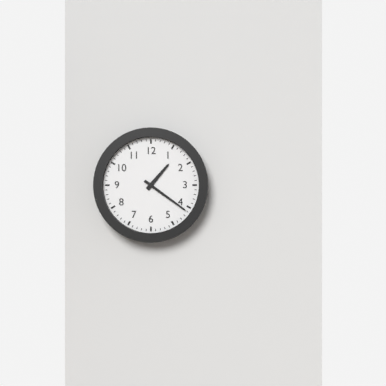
1:21
